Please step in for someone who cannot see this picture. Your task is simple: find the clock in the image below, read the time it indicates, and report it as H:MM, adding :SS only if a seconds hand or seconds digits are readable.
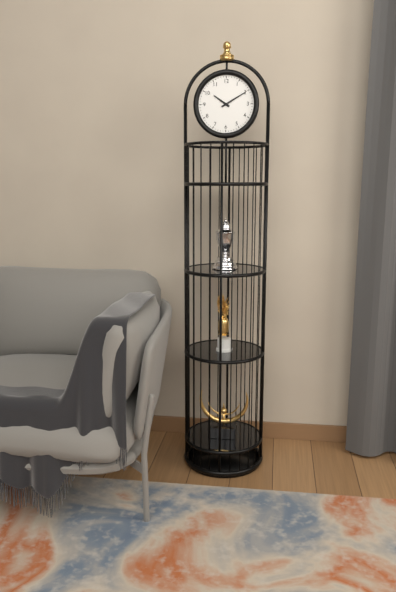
10:10
